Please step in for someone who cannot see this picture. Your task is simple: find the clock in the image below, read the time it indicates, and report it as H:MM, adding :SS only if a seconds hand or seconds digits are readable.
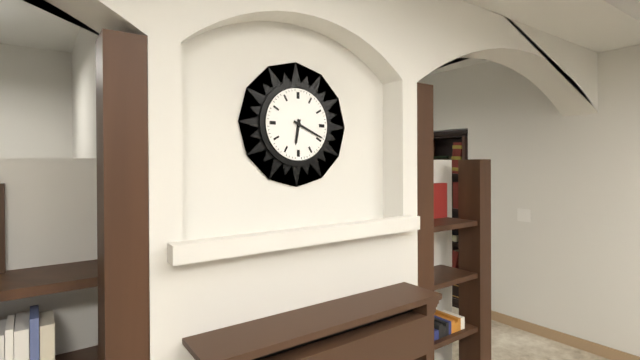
6:19
